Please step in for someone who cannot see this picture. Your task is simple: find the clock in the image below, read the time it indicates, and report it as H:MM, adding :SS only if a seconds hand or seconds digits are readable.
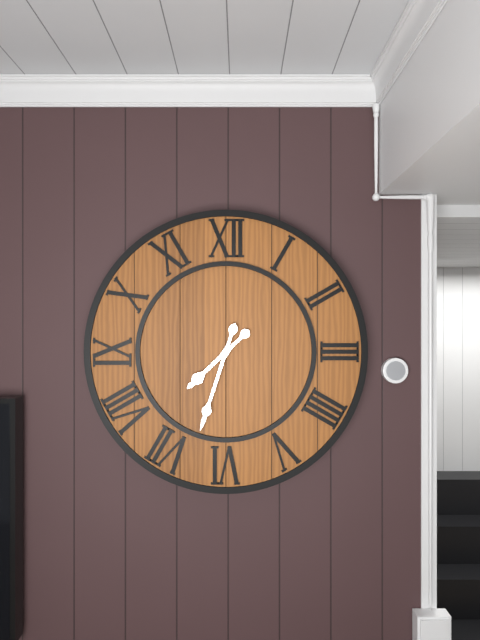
7:33
